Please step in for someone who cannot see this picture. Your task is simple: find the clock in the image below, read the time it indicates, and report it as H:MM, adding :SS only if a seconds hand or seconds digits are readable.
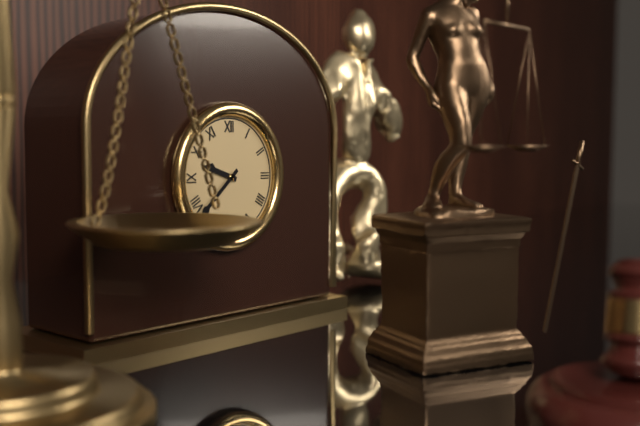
9:38
